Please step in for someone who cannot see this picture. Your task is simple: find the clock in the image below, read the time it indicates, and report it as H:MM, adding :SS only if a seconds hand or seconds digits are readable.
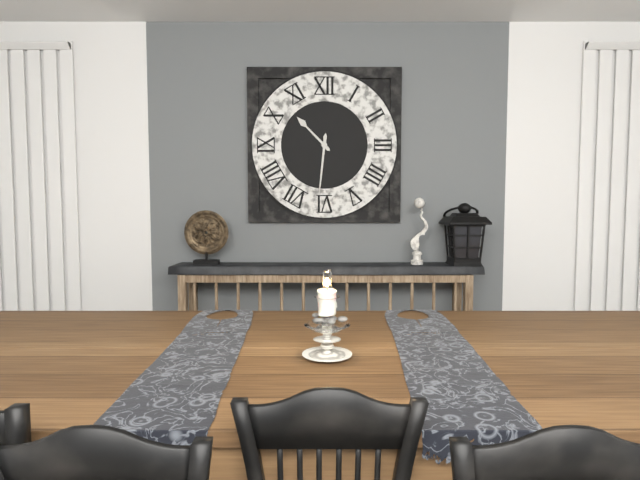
10:31
